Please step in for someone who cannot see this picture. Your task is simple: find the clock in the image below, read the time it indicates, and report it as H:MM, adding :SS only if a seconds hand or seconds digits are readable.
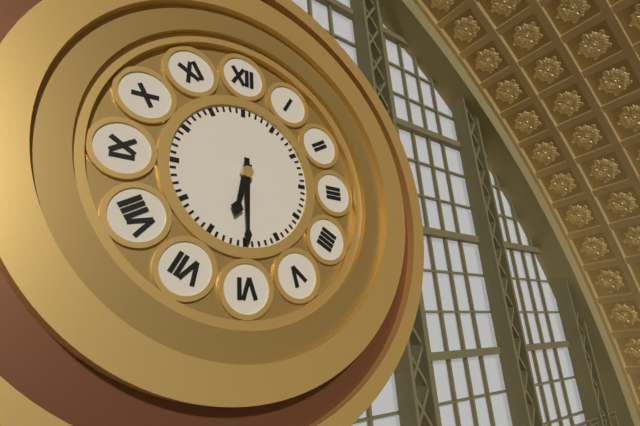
6:30
